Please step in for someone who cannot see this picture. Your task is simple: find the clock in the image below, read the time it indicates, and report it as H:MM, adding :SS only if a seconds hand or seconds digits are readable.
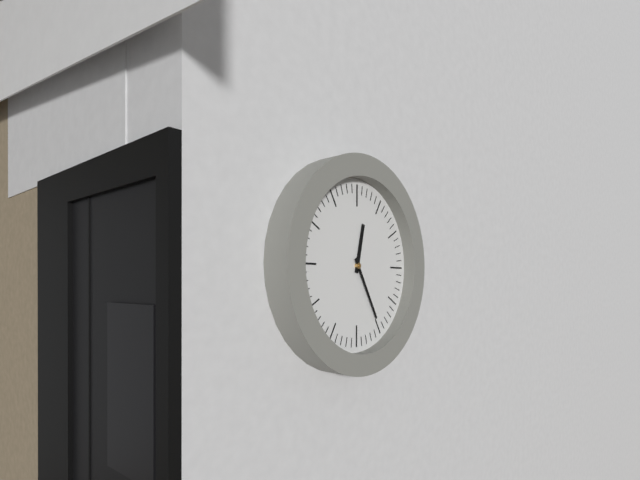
12:25
